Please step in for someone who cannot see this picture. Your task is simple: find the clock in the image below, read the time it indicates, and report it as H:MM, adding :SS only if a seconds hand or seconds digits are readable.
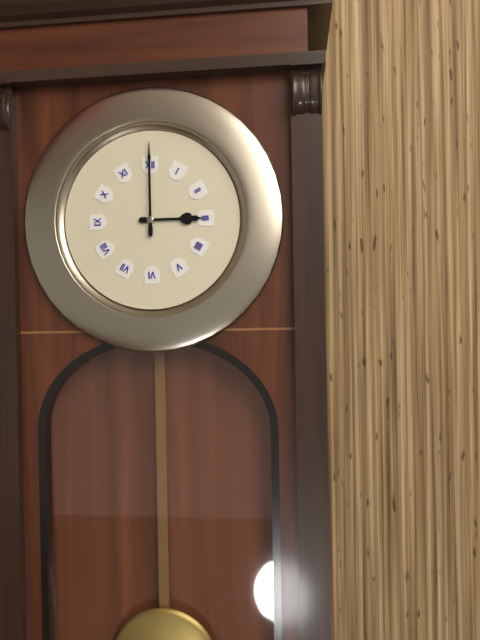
3:00
